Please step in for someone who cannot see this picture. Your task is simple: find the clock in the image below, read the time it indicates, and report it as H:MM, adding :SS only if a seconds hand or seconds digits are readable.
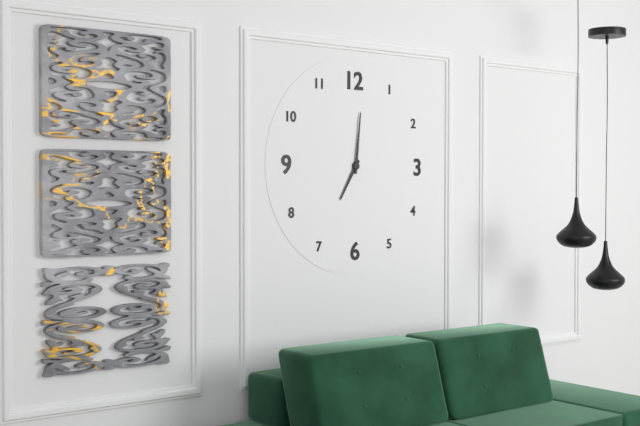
7:01
